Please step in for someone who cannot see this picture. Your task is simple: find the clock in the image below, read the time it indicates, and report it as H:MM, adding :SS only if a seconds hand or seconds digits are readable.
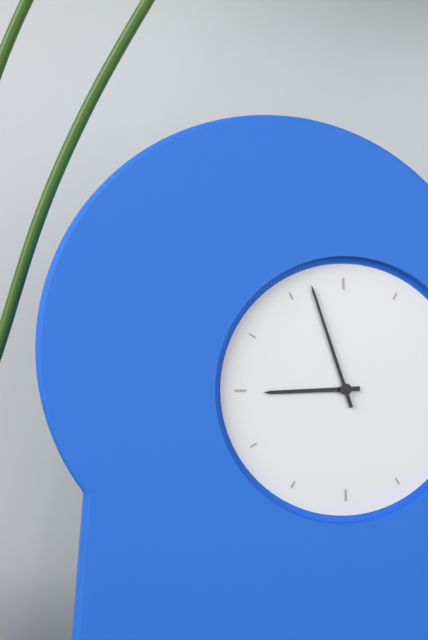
8:57
